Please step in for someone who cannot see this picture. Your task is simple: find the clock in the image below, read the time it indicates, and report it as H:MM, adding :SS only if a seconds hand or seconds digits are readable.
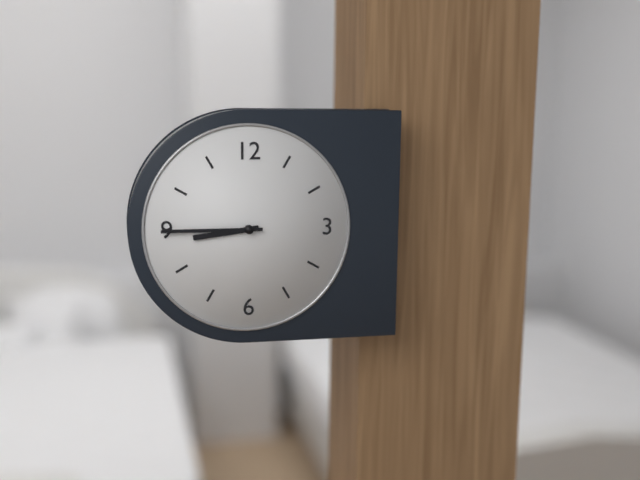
8:45
